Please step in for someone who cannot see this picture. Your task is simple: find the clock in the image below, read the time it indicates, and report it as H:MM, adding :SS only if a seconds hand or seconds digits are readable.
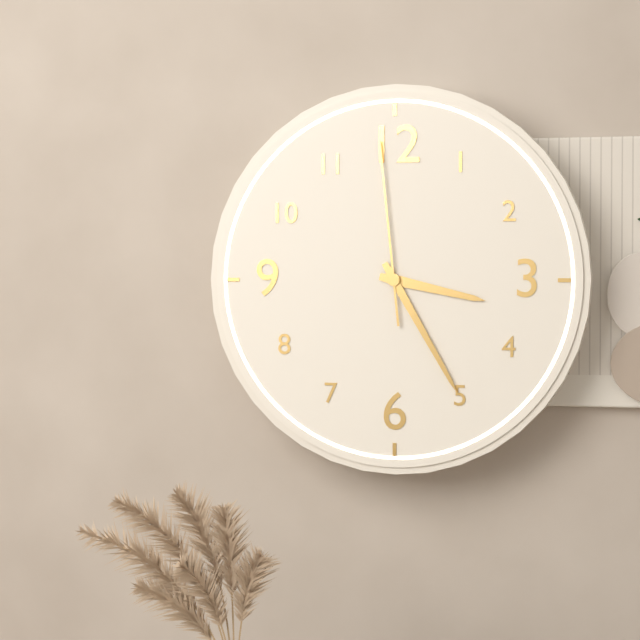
3:25:59
